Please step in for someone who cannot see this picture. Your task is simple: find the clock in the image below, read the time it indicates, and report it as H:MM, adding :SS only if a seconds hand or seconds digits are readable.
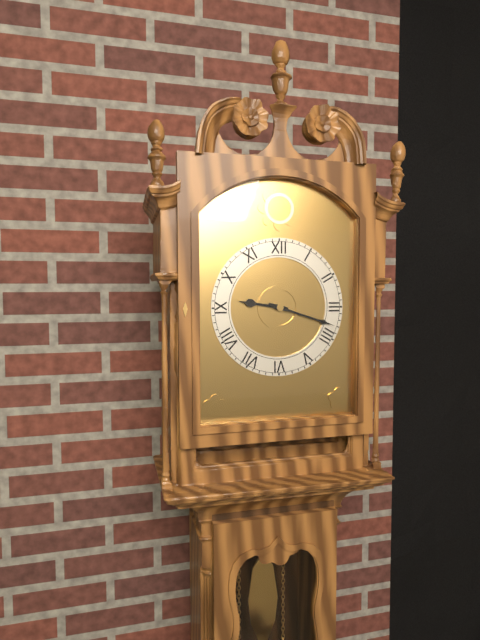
9:18
